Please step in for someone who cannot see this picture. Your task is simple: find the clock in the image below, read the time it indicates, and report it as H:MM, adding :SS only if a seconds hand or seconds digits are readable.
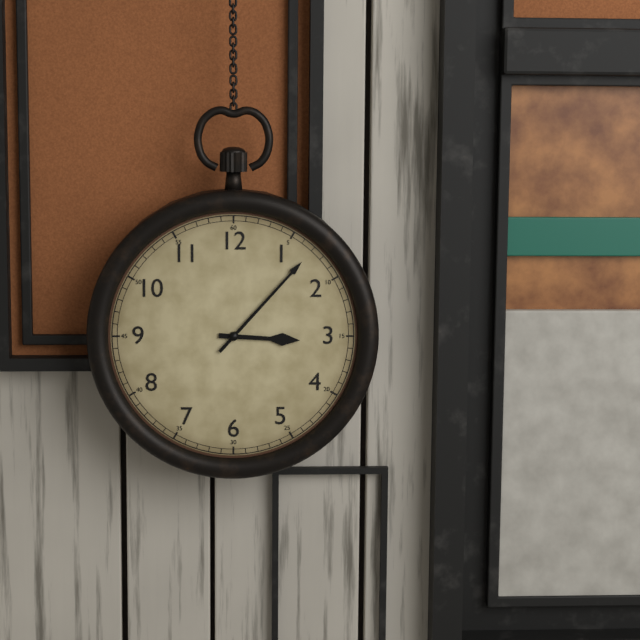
3:07
